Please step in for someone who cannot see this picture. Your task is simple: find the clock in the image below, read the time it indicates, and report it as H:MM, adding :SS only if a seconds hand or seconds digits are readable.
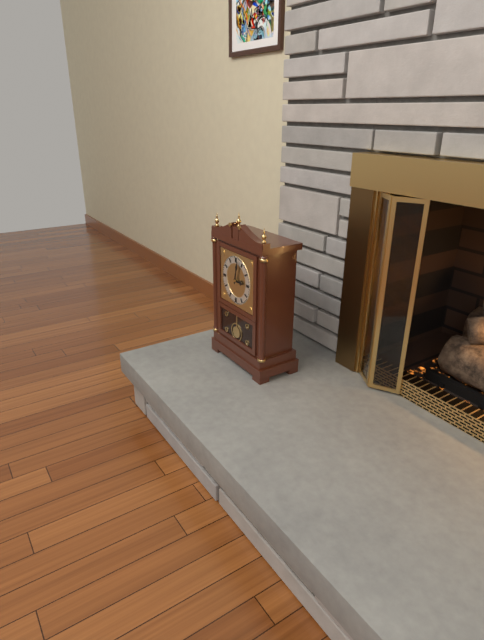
3:02
